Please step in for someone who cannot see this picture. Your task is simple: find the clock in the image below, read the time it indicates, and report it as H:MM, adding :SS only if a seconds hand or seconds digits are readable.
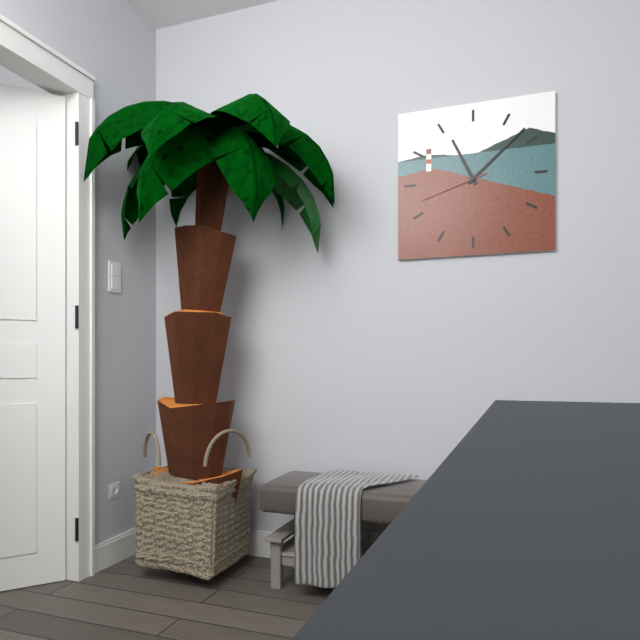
11:08:42
